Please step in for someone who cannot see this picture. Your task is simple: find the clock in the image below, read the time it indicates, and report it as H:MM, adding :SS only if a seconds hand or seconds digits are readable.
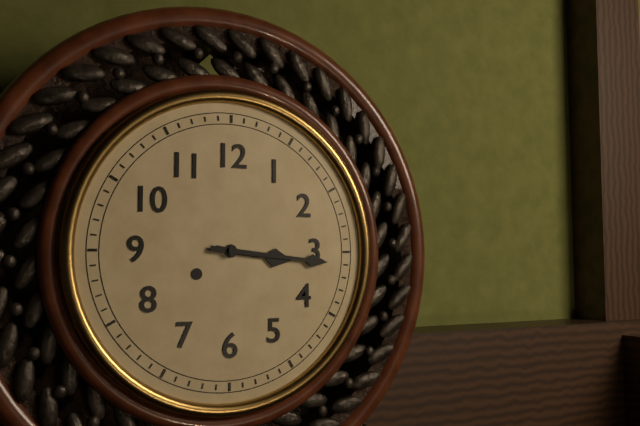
3:16
